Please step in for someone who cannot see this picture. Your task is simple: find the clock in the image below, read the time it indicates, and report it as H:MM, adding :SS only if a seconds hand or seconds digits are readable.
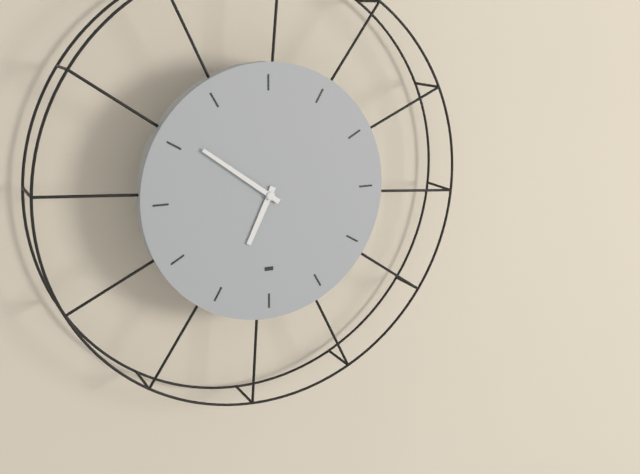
6:51
